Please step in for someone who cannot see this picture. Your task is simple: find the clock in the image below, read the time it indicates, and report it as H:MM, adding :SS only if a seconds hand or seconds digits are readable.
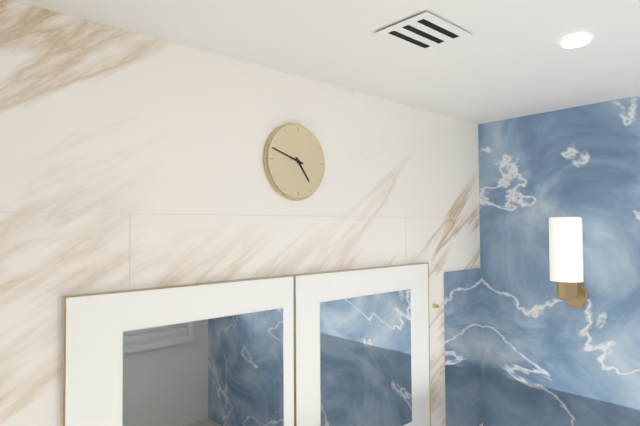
4:48
